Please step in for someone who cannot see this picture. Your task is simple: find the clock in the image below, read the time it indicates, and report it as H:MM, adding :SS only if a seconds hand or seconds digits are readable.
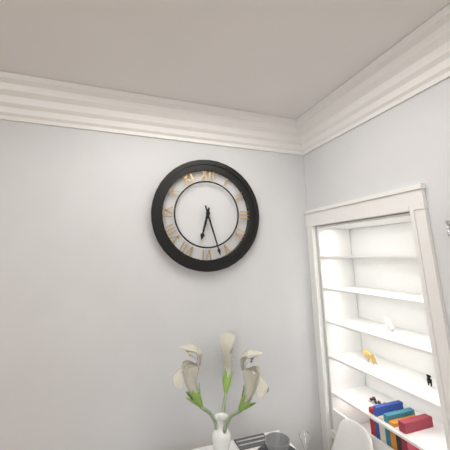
6:27
